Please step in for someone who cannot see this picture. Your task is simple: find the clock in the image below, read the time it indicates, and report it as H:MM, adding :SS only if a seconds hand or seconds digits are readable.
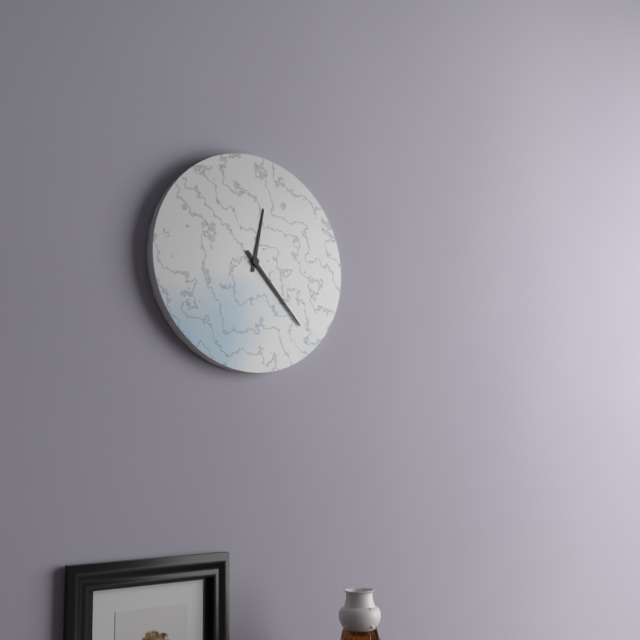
12:23
